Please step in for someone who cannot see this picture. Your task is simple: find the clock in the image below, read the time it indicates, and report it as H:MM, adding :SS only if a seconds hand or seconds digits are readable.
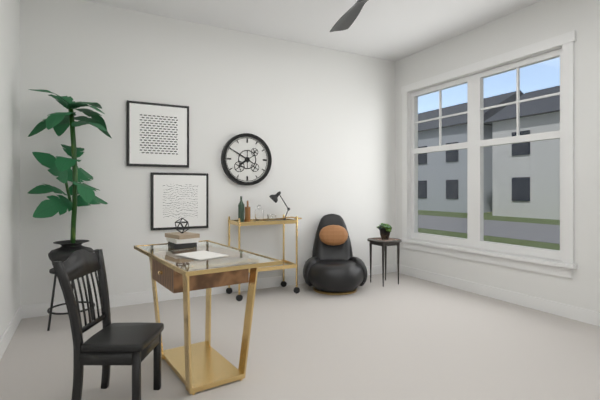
7:50
